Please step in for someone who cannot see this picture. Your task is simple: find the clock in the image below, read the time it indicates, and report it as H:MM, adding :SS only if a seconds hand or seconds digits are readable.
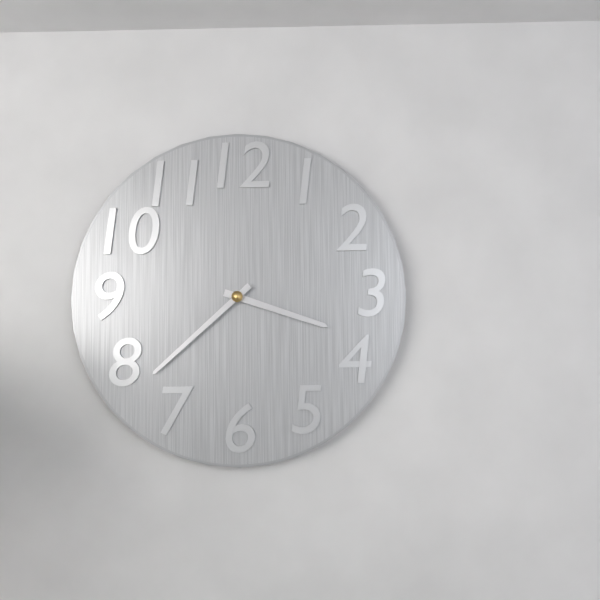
3:38
